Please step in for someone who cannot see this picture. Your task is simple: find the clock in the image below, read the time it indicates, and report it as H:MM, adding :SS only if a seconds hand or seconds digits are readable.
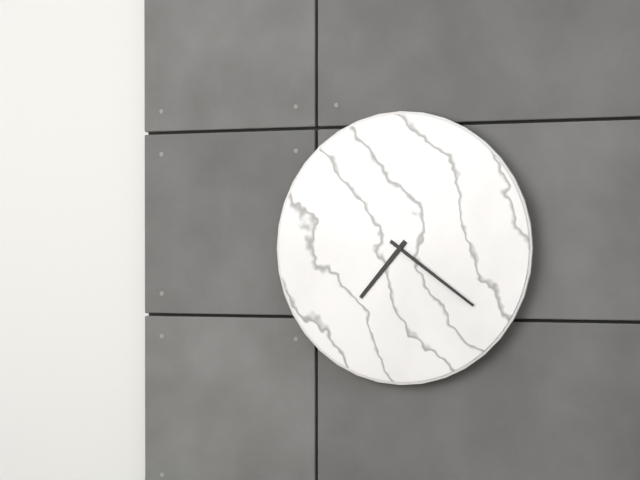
7:21
